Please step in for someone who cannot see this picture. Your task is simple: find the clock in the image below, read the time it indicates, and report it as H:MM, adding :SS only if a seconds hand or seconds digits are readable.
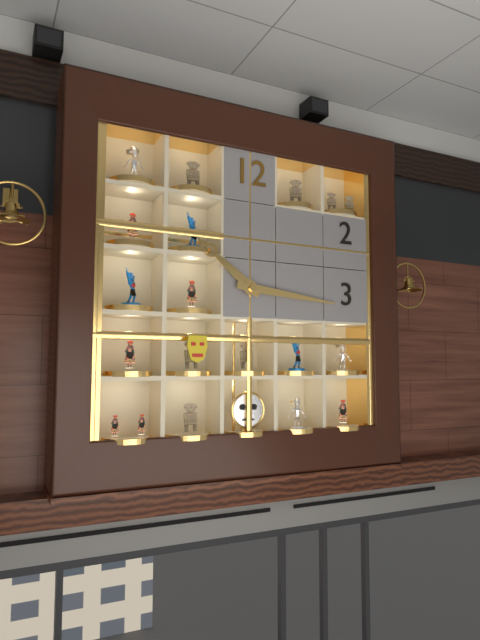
10:16
